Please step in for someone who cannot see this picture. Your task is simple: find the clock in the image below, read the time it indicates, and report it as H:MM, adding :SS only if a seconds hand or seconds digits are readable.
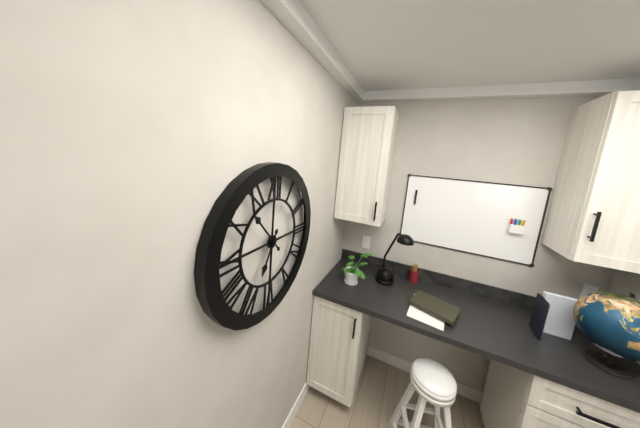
6:53
